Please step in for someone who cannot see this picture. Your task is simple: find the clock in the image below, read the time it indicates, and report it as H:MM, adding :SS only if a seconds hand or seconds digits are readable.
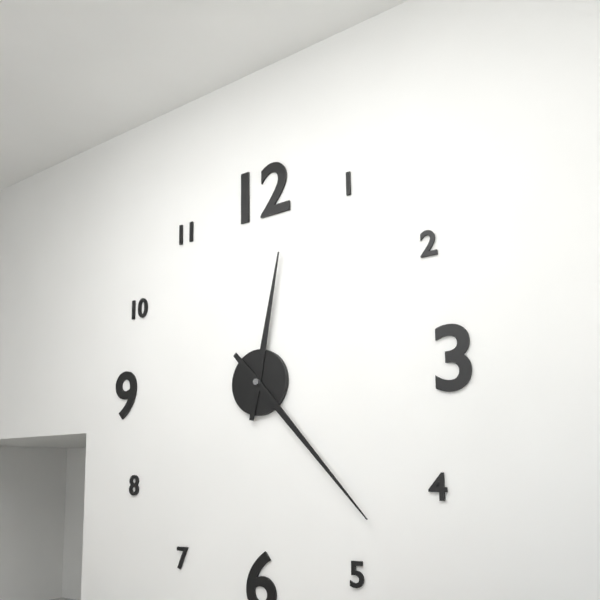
12:23
